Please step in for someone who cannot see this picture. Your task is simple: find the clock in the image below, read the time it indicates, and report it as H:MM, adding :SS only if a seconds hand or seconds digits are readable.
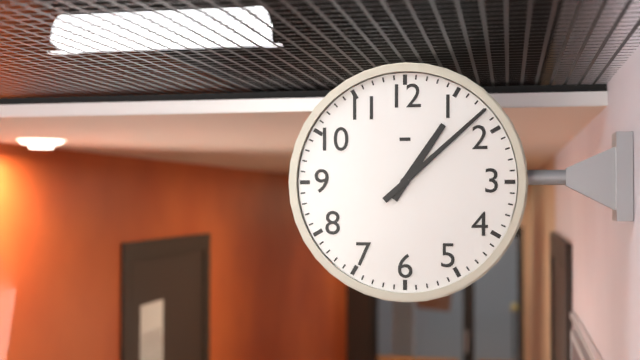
1:08
